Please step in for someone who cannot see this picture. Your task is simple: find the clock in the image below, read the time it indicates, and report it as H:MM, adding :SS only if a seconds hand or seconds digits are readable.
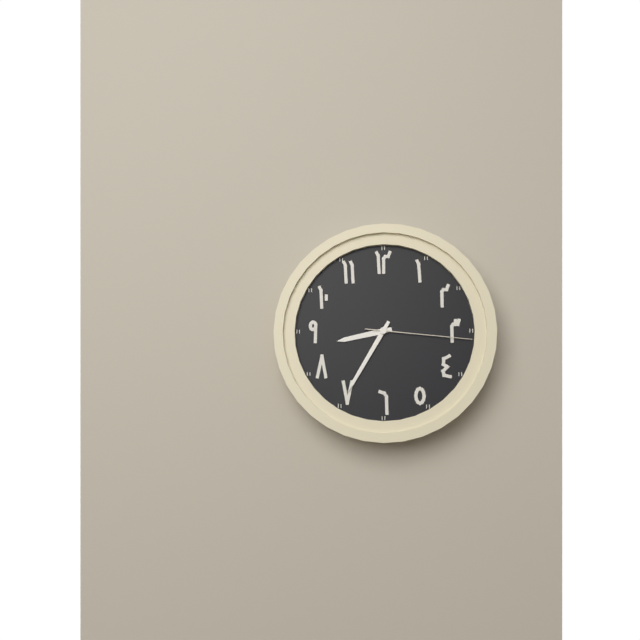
8:35:16
